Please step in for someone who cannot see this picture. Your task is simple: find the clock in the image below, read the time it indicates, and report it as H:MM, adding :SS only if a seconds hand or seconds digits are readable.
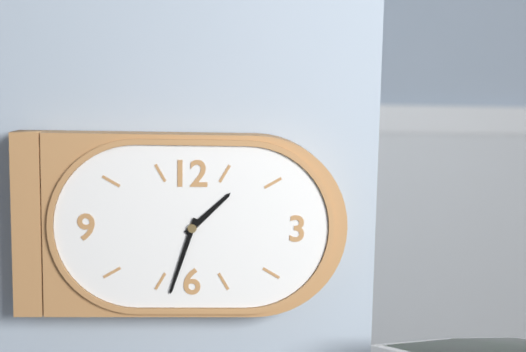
1:33
